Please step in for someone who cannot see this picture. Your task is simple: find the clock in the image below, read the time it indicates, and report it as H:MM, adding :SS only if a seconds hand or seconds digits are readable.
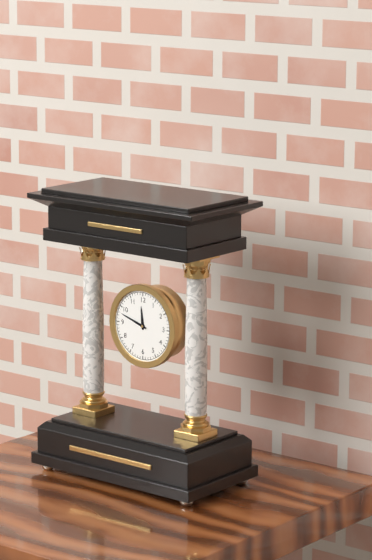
11:48
